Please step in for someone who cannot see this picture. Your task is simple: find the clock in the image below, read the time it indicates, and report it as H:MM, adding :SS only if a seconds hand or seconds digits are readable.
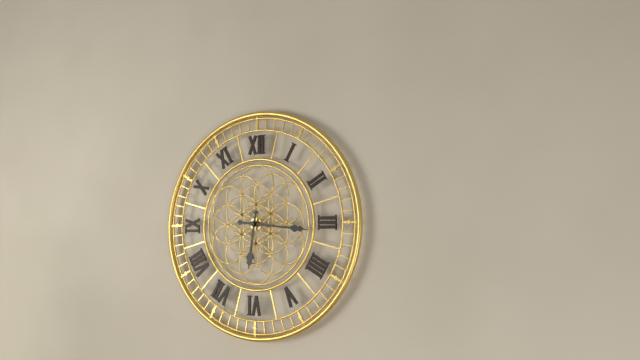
6:16
